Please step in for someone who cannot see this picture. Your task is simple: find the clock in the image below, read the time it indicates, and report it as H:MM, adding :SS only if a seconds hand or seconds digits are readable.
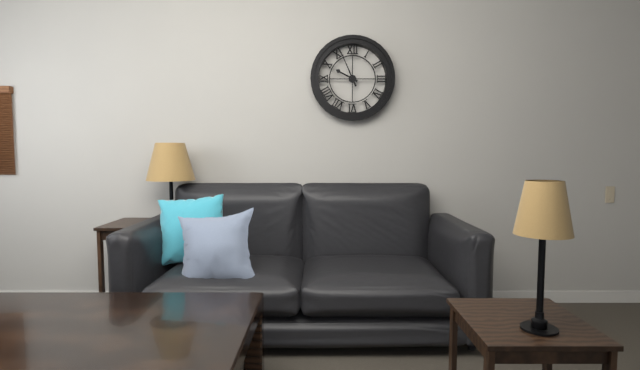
9:56
